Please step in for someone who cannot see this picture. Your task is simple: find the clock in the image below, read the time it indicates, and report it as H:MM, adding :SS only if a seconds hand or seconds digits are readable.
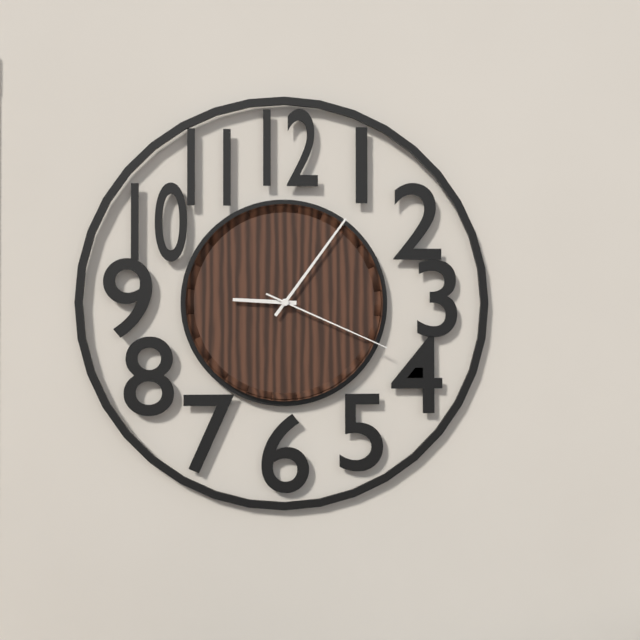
9:06:19
